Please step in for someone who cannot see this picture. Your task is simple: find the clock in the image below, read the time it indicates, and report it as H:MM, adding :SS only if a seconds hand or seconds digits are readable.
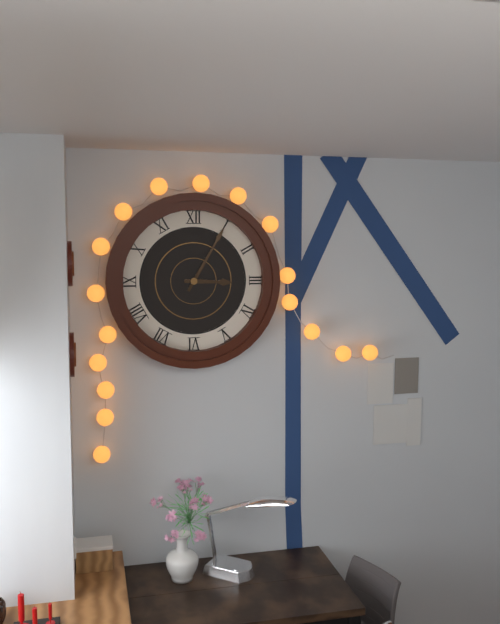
3:05
